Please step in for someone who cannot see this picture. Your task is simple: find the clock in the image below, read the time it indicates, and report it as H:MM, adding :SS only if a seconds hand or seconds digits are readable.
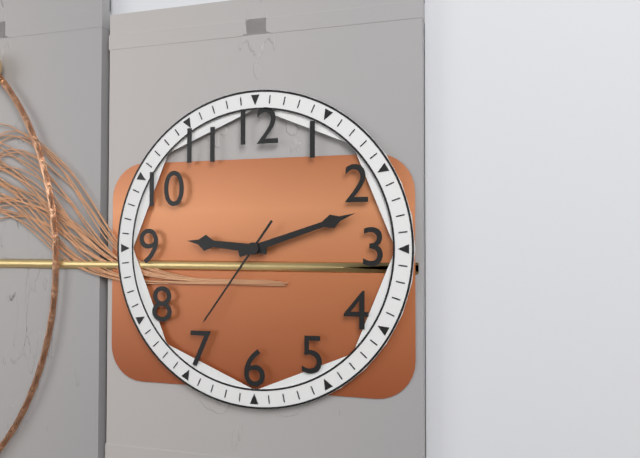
9:12:36
